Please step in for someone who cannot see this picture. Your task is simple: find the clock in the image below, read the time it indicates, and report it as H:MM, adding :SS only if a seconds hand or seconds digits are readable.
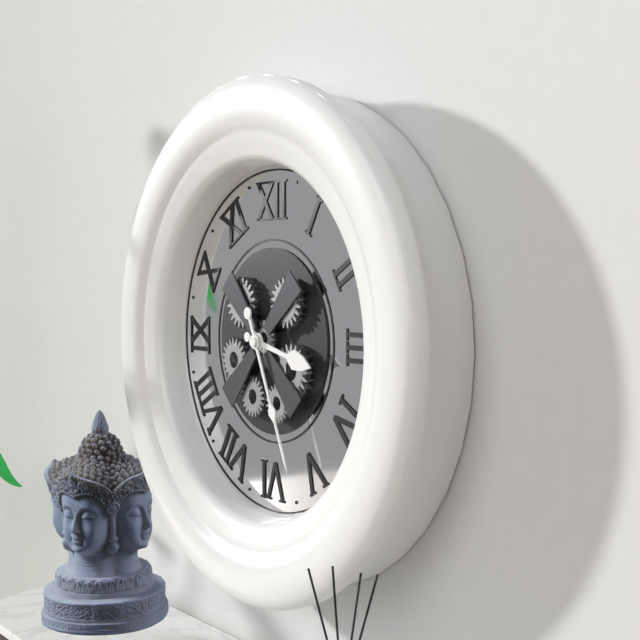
3:26
